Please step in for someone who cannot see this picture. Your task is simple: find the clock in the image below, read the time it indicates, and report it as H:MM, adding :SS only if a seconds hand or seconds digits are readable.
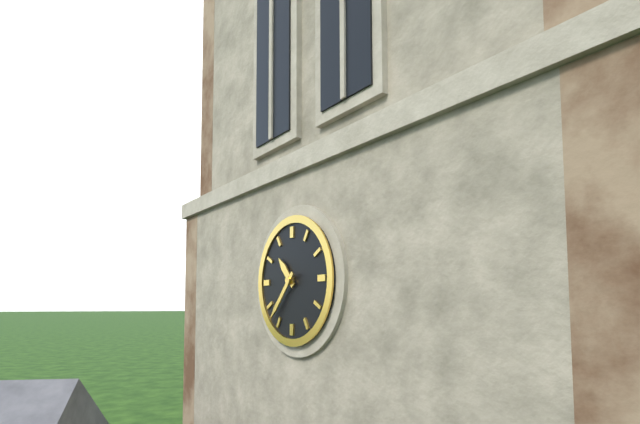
10:37
